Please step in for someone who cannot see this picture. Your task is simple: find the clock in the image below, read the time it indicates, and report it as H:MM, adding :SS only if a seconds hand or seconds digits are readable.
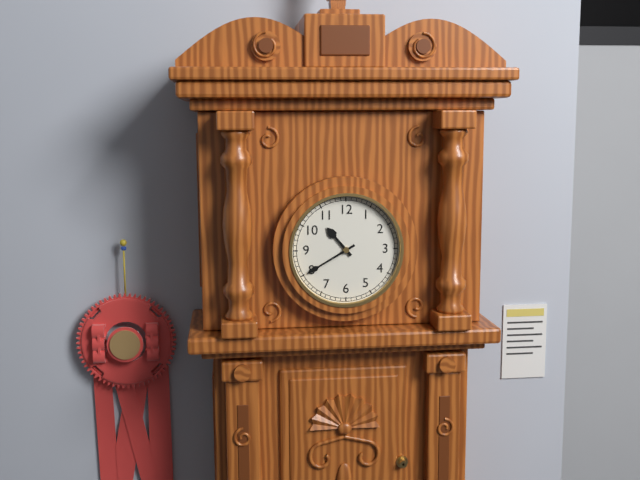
10:40
